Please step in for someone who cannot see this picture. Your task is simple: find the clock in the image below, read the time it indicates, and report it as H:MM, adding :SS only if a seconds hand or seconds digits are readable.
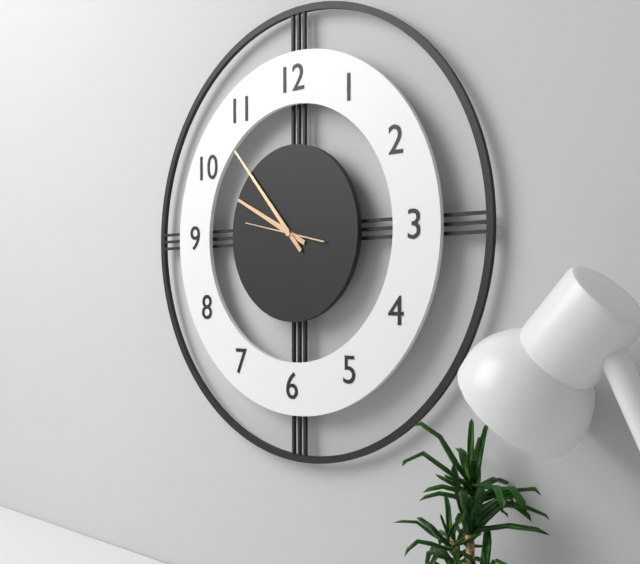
9:53:47
